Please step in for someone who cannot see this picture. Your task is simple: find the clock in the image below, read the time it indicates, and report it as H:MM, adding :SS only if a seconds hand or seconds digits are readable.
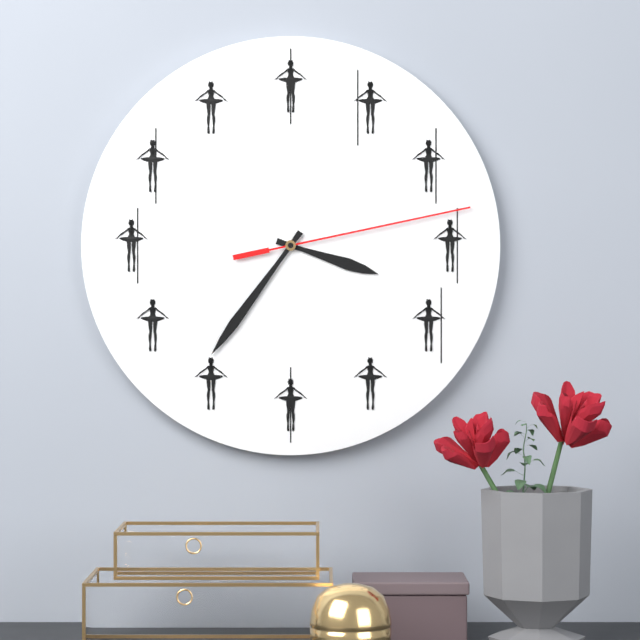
3:36:13
